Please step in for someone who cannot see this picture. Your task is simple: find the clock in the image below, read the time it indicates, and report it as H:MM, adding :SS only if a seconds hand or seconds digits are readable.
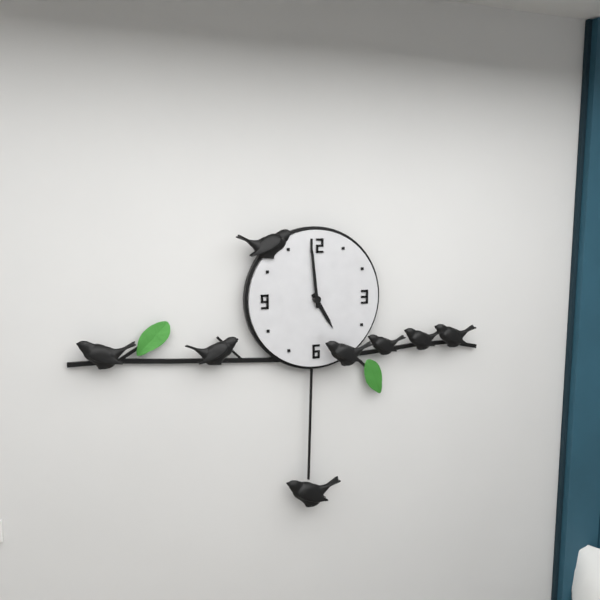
4:59
